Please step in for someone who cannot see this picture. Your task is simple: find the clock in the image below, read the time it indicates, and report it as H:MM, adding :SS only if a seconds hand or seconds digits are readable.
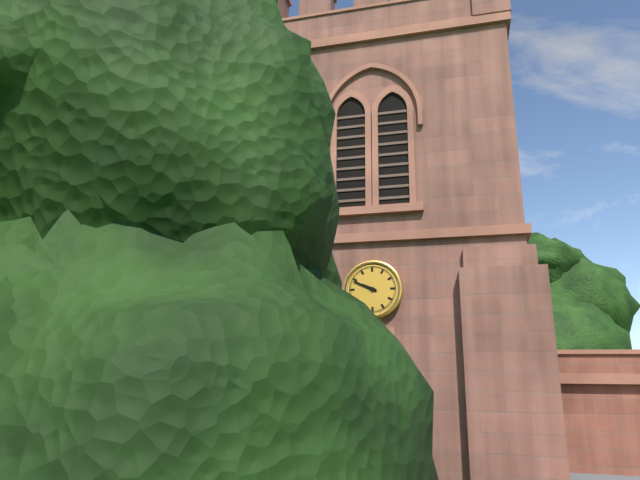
9:49
